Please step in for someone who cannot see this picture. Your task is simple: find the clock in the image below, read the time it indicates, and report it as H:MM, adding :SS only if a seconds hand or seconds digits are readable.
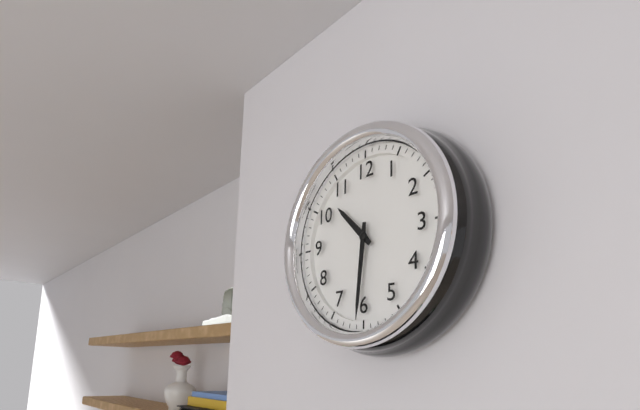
10:31
